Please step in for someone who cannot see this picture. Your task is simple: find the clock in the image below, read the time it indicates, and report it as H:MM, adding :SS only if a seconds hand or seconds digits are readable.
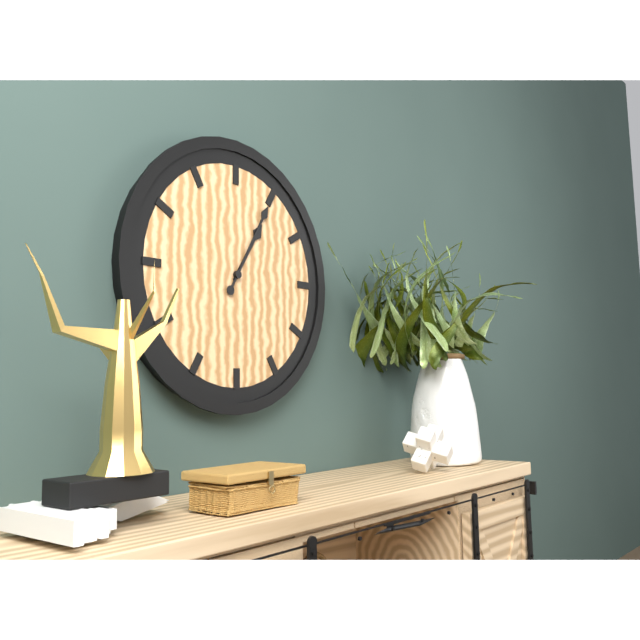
1:05
